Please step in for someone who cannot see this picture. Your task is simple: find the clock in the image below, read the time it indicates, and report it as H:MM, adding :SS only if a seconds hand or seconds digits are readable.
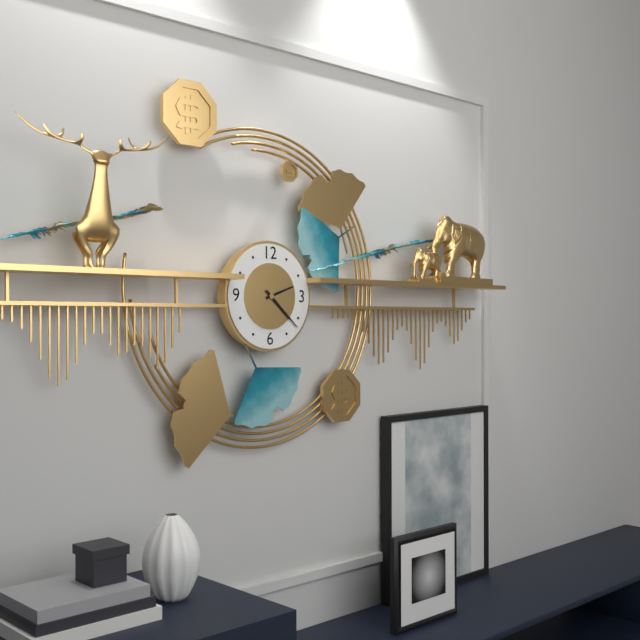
2:22
